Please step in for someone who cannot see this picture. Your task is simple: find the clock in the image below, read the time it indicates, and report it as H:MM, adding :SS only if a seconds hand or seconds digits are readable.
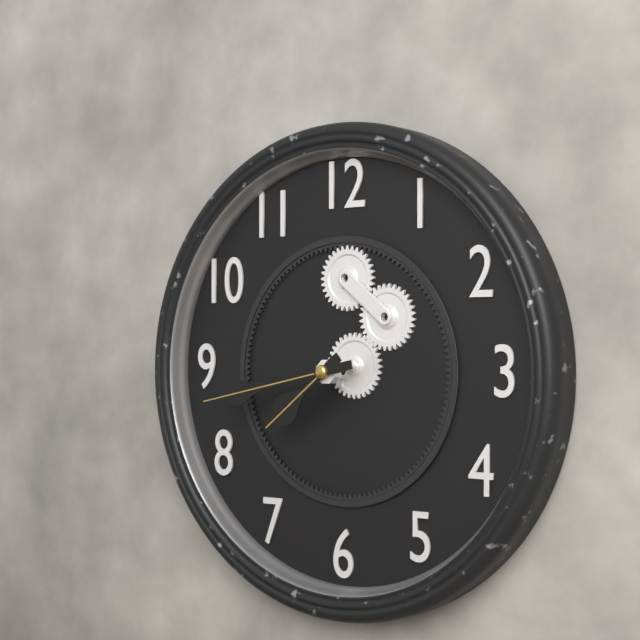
7:43
